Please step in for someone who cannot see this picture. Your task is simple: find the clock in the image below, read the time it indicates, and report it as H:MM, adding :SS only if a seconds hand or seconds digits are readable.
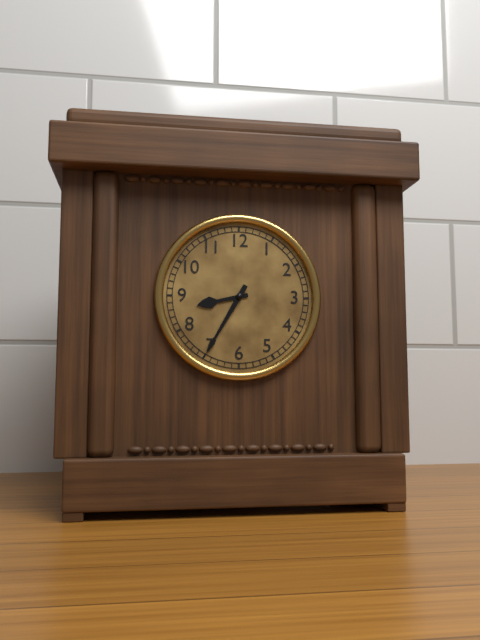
8:35
